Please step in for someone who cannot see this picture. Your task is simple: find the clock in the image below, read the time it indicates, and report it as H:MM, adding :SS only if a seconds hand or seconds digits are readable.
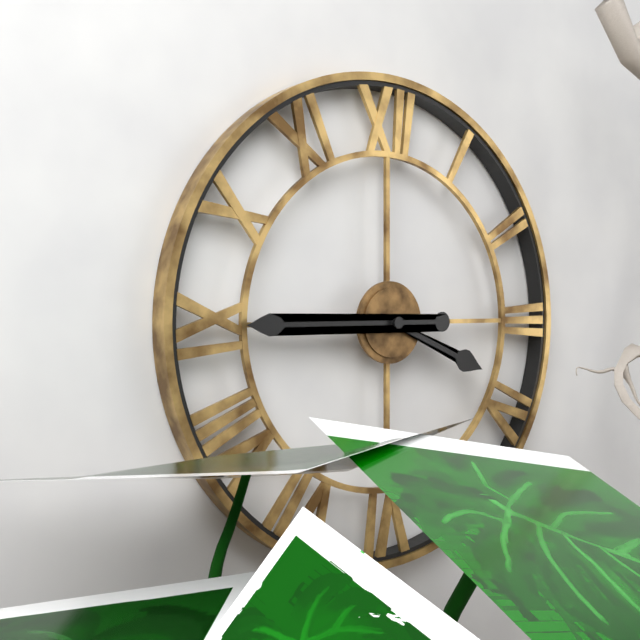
3:45
